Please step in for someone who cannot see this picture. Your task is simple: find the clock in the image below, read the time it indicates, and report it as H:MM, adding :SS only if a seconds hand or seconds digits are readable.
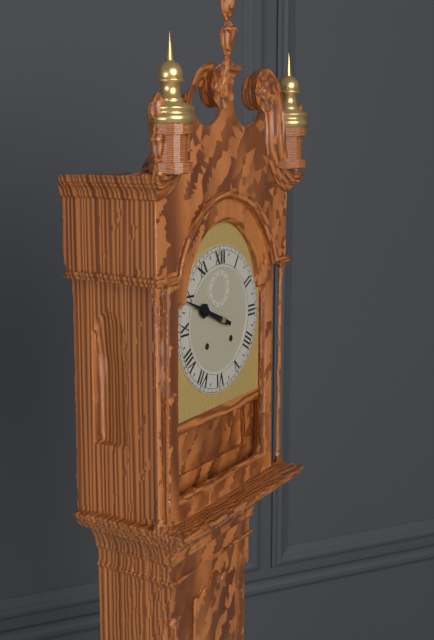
9:49
